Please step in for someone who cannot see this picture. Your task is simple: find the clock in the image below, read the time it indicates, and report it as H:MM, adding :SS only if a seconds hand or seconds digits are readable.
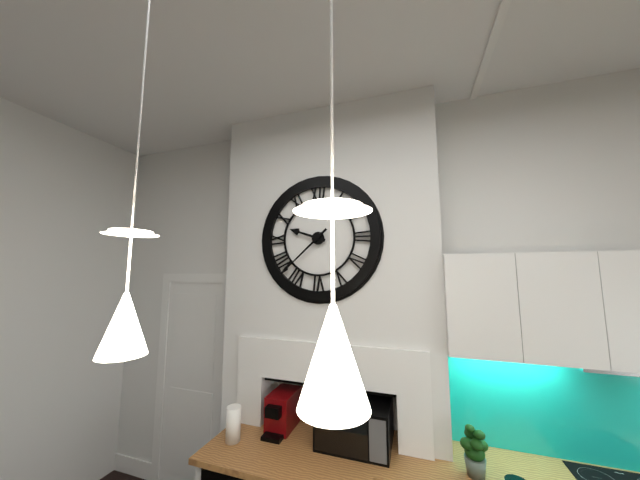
9:38
